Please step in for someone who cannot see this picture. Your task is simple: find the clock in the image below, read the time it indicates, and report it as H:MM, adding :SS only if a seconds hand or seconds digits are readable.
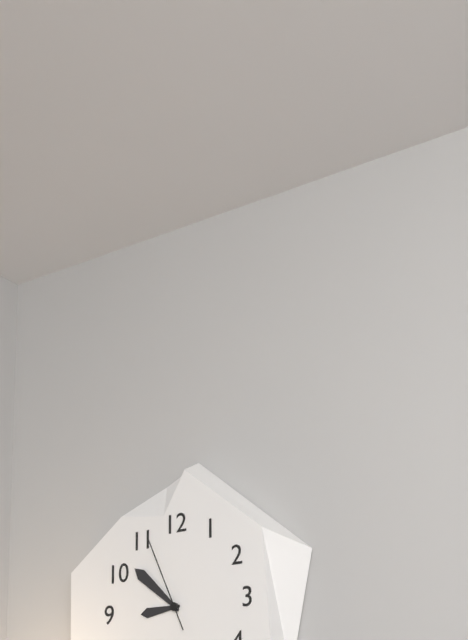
8:52:56
